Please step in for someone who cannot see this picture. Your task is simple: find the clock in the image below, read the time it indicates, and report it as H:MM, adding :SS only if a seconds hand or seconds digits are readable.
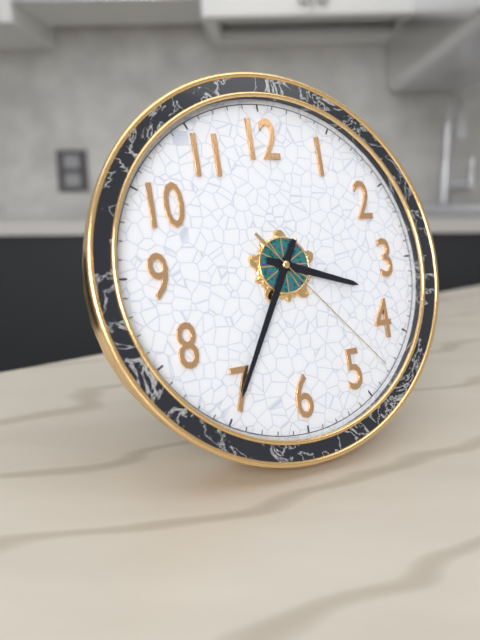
3:35:23
